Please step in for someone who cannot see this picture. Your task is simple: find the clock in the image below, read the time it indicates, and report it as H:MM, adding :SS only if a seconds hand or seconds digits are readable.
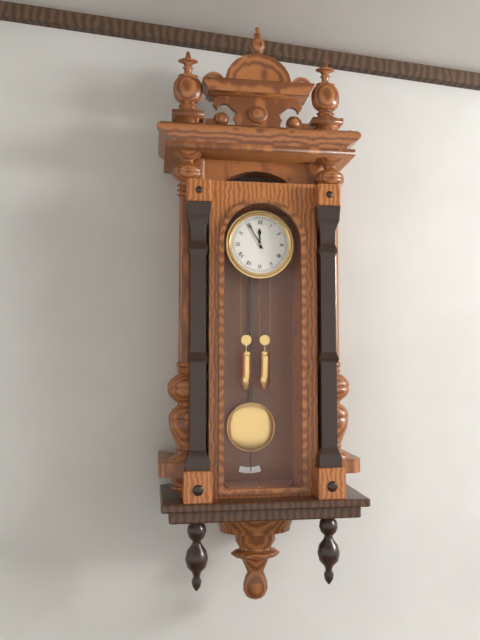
11:55
